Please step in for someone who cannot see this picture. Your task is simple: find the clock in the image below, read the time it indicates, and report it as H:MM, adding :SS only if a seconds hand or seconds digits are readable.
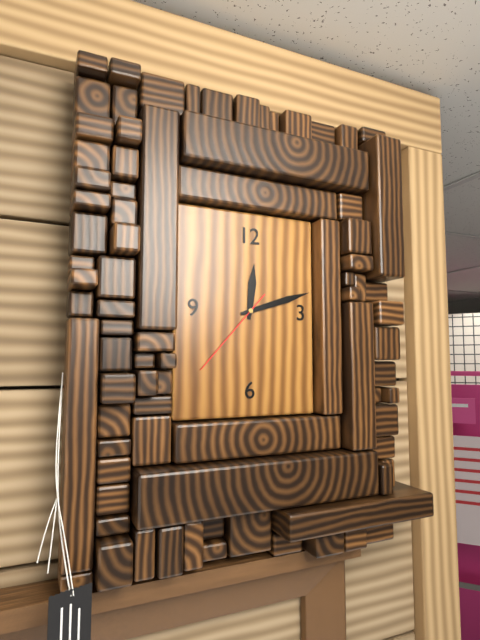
12:12:37
